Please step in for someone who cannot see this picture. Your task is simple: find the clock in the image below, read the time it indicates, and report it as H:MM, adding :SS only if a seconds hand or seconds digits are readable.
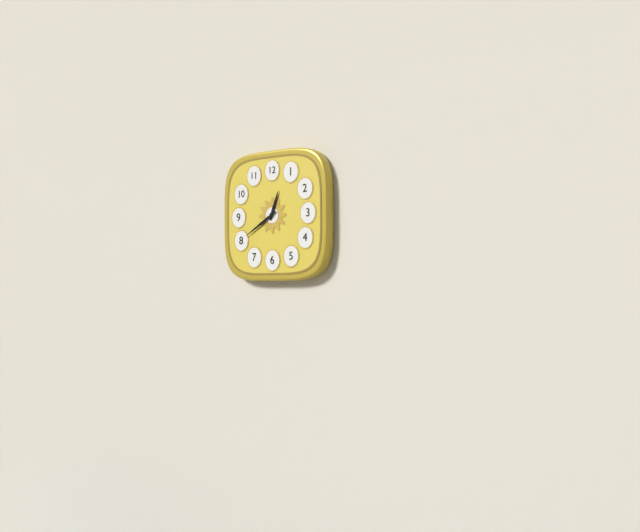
12:40
